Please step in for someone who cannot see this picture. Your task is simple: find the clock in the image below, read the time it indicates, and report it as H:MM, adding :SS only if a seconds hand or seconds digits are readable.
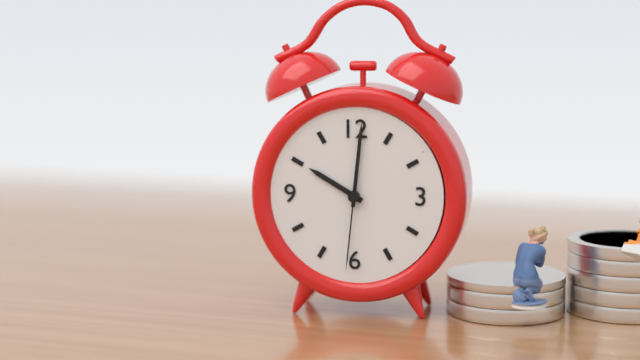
10:01:31
